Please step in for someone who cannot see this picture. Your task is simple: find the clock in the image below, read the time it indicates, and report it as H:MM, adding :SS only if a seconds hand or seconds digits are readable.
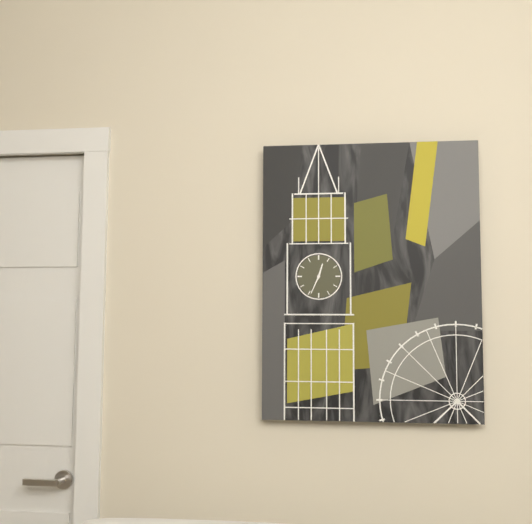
12:34
